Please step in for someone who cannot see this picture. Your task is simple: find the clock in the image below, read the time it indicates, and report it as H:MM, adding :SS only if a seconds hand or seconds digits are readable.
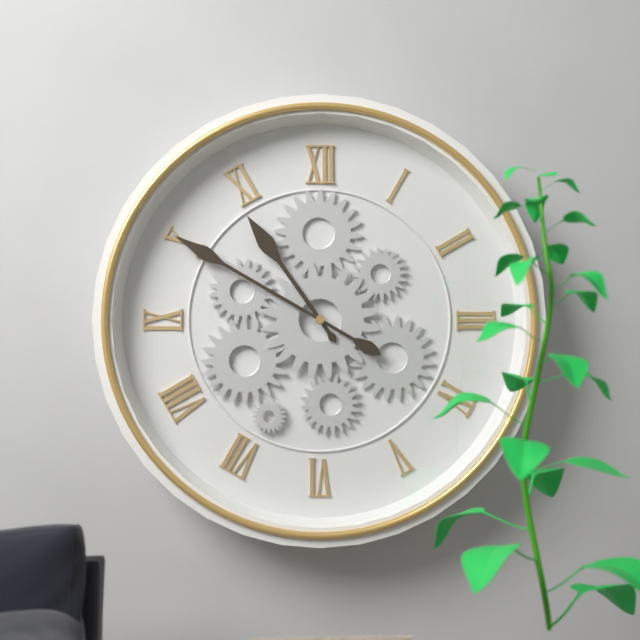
10:50
